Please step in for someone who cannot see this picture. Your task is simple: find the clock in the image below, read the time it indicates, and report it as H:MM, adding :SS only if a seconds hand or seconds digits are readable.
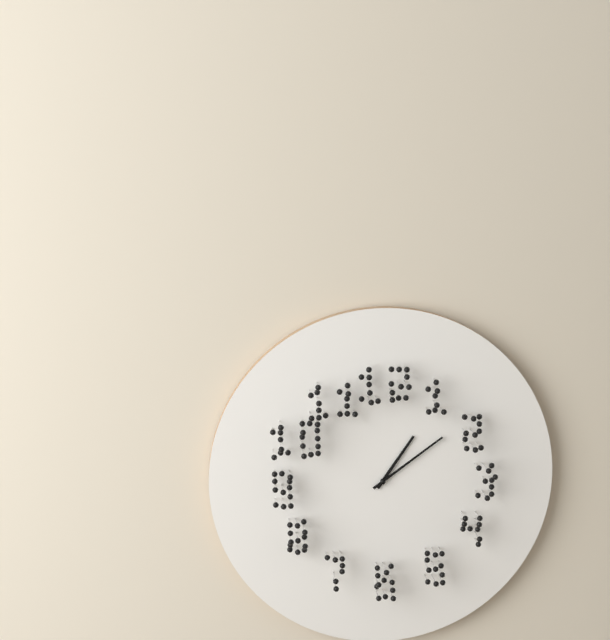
1:09
